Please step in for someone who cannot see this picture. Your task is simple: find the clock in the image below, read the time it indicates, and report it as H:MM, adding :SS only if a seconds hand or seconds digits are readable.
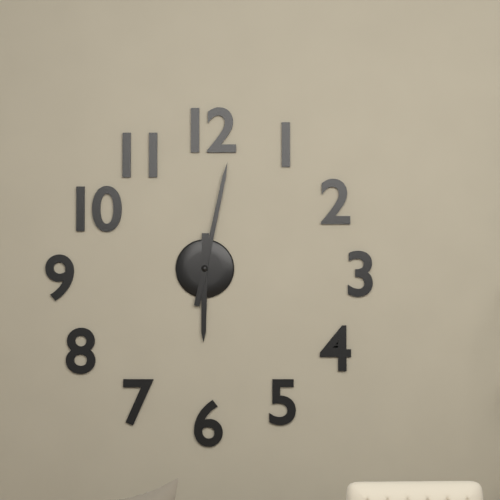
6:02
